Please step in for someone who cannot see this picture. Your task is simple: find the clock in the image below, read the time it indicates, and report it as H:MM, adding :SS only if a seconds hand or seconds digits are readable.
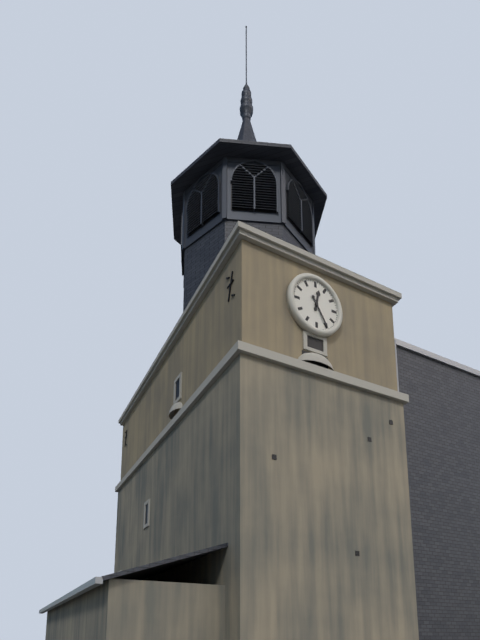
12:25
